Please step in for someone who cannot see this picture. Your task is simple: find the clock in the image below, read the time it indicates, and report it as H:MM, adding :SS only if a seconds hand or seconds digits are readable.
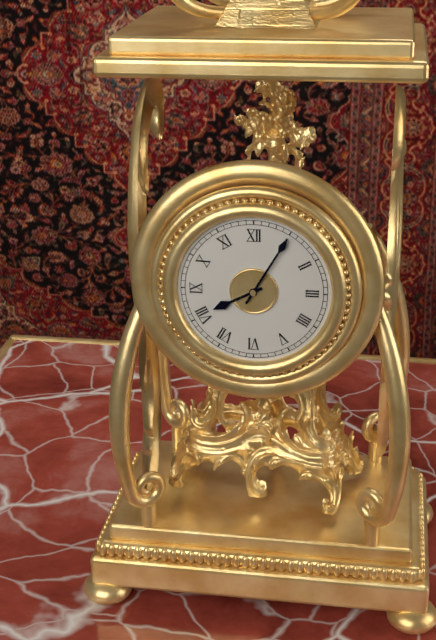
8:05
